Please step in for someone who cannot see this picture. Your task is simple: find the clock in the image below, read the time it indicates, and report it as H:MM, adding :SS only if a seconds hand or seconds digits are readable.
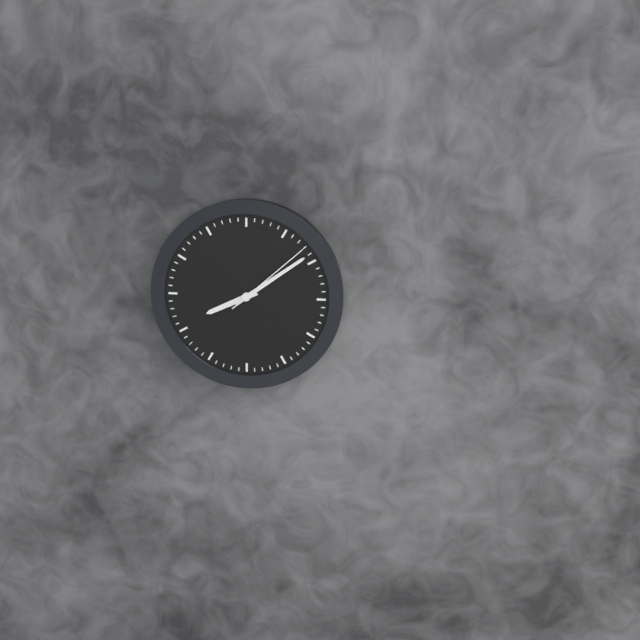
8:09:08
